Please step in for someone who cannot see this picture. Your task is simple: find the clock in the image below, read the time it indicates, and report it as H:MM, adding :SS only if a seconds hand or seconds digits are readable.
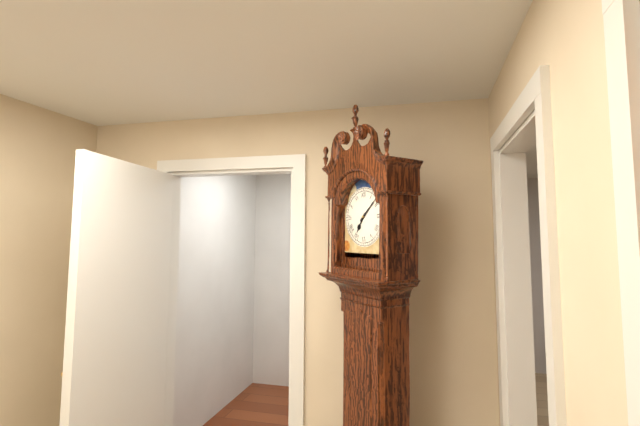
7:08
